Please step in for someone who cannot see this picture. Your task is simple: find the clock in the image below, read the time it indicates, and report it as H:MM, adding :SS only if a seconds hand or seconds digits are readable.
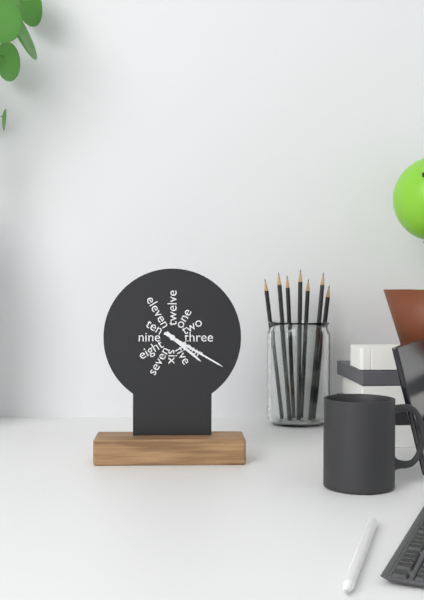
4:20
